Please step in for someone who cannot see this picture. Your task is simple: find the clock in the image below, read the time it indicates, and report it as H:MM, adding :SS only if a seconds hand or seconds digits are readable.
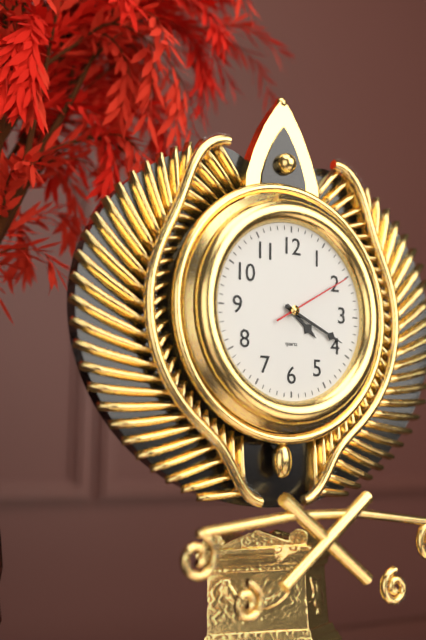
4:19:10
